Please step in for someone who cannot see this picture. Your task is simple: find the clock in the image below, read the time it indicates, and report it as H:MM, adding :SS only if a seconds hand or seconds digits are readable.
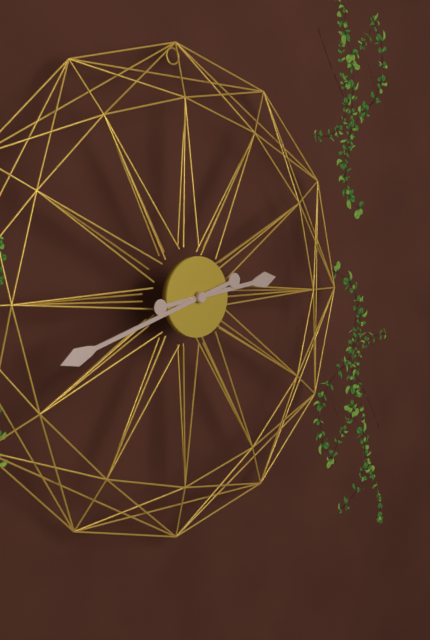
2:42
